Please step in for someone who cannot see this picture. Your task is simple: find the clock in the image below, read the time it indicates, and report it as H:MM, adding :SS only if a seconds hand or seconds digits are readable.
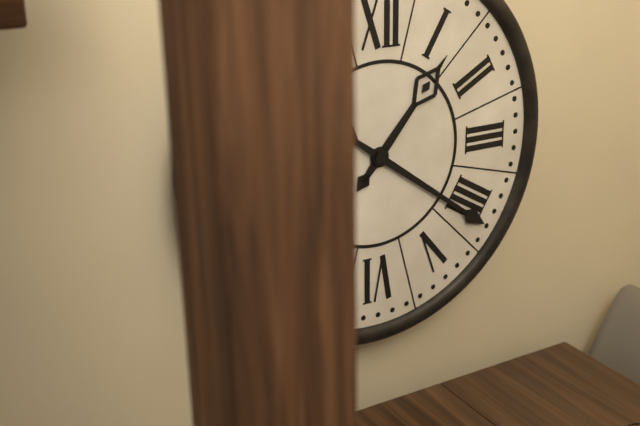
1:21
